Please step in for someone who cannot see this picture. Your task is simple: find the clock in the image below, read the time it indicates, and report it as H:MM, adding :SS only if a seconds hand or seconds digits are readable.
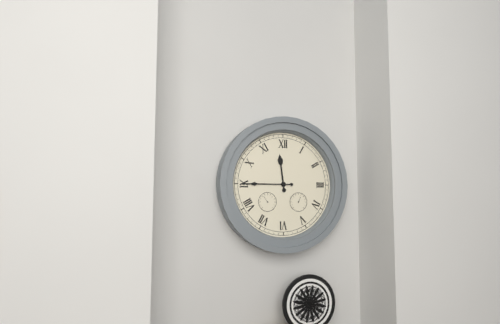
11:45
